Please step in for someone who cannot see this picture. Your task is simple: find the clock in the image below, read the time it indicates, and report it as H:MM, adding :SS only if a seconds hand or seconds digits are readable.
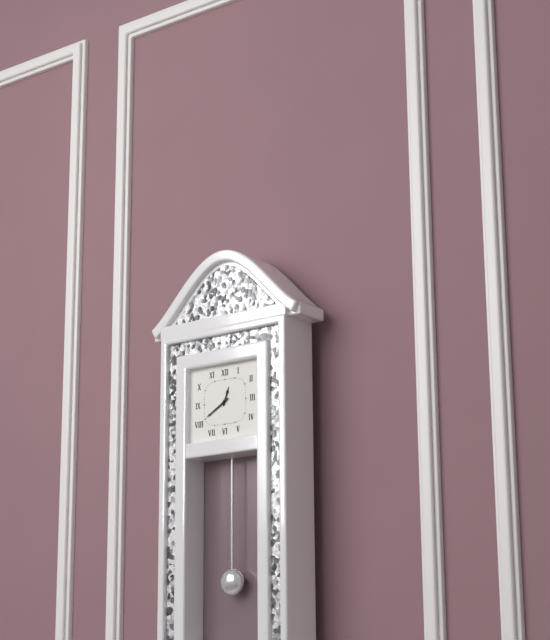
12:40
